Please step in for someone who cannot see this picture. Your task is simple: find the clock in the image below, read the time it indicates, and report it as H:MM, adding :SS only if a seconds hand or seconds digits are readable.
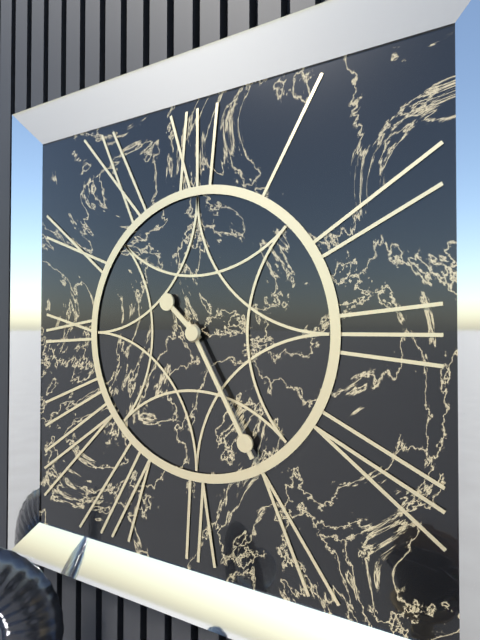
10:25
